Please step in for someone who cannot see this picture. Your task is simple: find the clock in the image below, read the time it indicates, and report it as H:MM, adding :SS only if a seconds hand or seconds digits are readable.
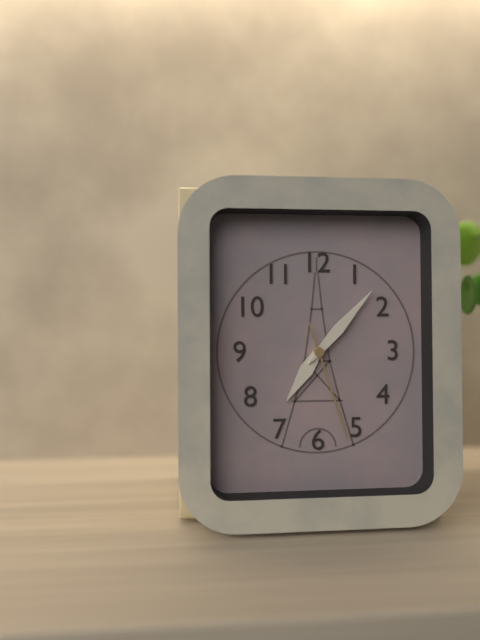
7:07:27
